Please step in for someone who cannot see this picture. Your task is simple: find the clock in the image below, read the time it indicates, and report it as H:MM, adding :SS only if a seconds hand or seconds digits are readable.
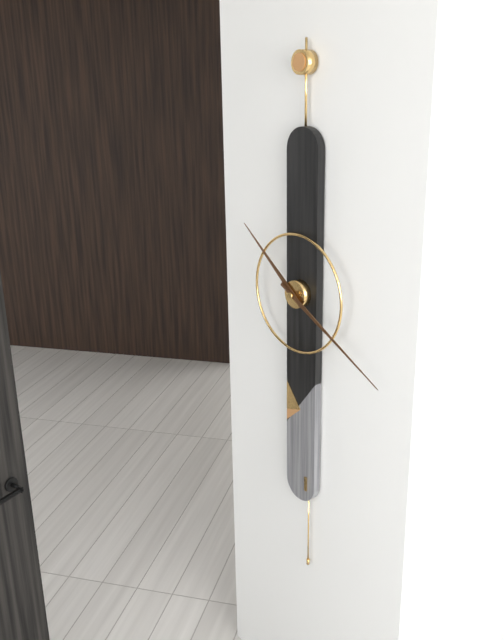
10:20
